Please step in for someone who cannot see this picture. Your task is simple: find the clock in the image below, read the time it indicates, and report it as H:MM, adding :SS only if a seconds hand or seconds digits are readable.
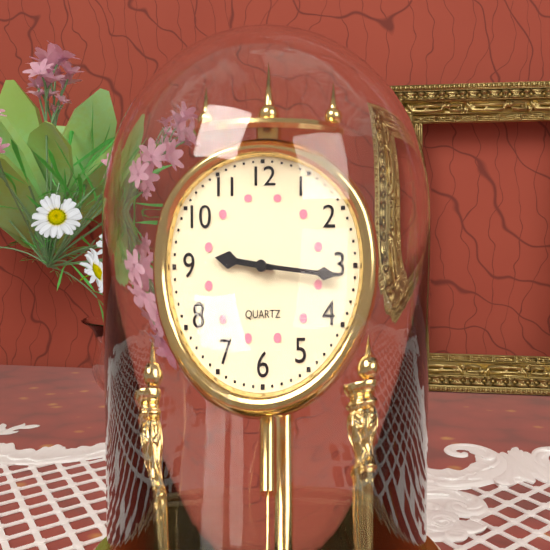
9:16
